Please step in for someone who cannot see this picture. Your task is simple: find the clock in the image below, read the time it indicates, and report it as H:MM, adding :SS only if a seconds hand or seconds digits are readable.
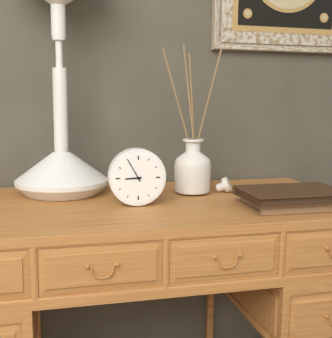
8:55
